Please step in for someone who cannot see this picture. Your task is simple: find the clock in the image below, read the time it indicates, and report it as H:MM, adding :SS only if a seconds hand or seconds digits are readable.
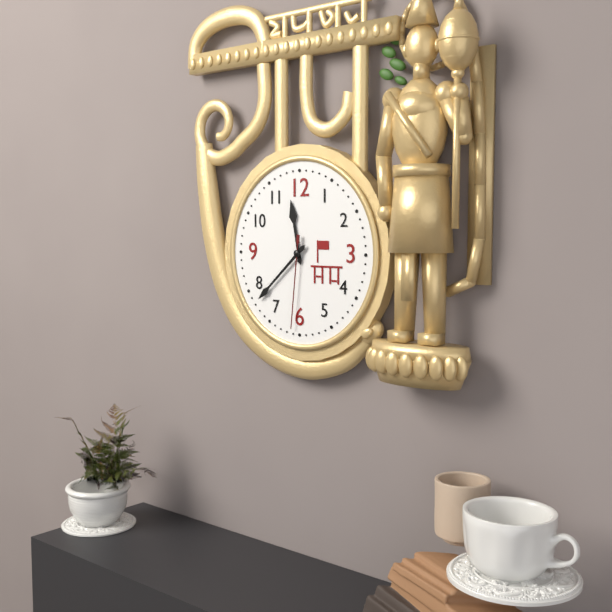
11:38:31
